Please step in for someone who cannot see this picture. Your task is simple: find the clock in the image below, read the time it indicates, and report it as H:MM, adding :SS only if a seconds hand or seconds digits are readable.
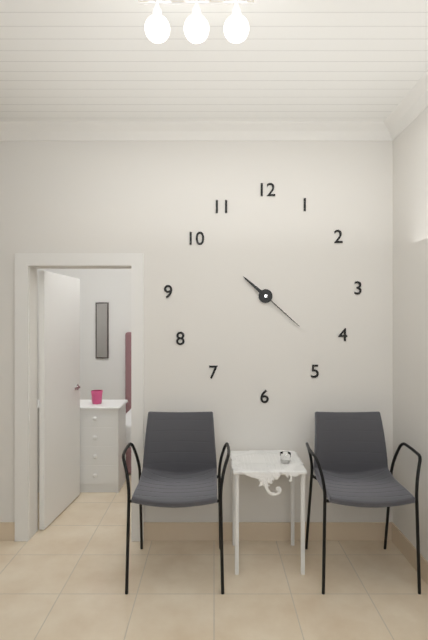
10:22
